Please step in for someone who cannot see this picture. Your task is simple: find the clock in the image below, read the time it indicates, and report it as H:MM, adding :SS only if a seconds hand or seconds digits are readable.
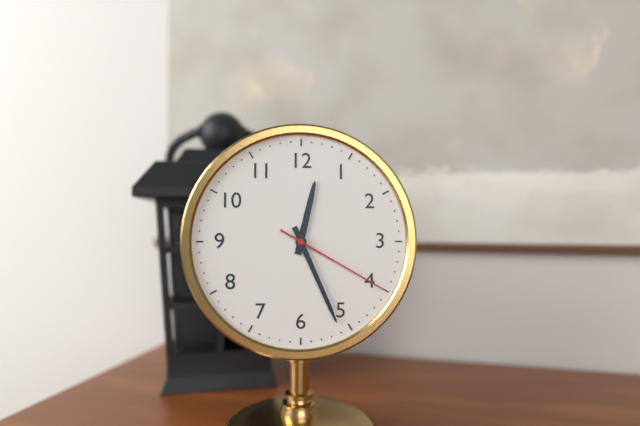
12:26:20
